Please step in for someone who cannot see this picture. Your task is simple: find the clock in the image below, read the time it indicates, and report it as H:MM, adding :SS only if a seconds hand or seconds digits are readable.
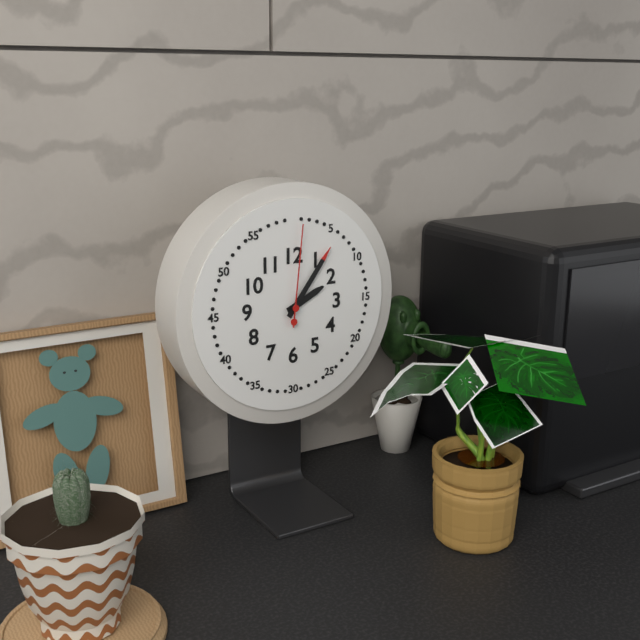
2:06:01
